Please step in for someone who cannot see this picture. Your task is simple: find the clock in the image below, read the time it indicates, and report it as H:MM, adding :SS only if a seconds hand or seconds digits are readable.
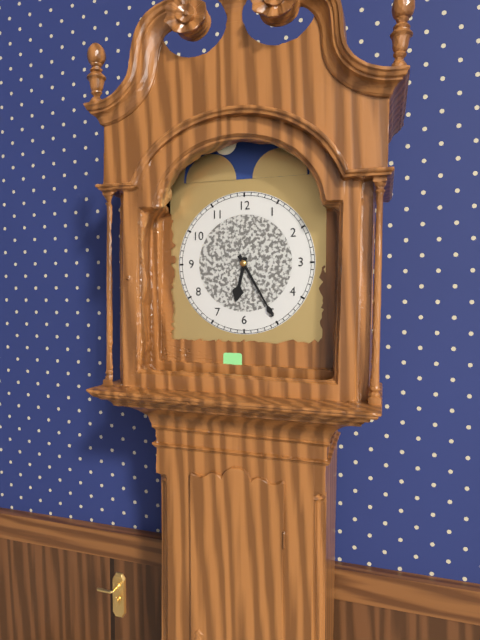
6:25
